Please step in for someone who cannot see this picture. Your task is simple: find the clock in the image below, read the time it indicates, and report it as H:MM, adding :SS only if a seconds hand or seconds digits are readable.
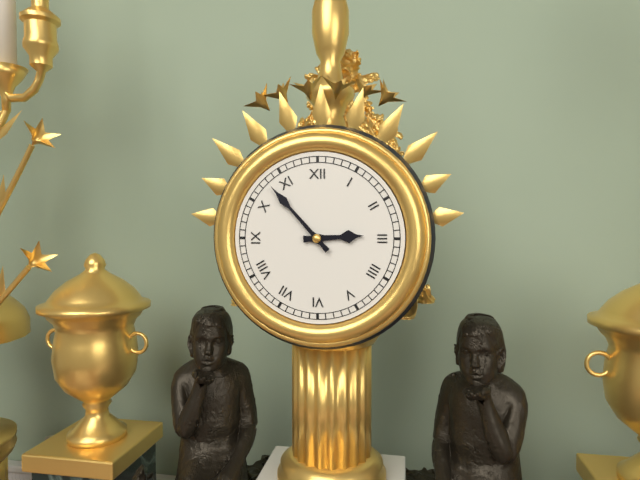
2:53
